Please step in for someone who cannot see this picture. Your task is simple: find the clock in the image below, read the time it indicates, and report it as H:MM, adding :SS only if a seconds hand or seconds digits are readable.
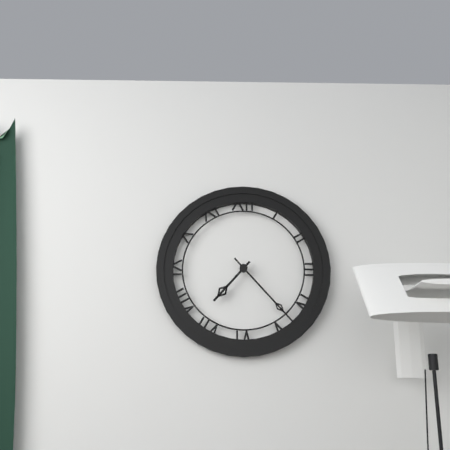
7:23
